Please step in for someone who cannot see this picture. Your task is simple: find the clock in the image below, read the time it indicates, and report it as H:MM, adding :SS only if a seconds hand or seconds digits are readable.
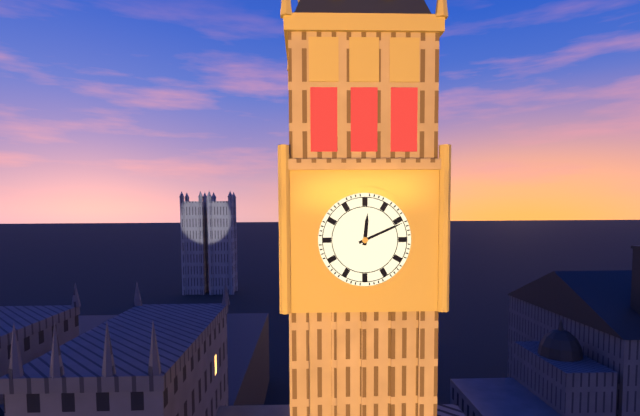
12:11
